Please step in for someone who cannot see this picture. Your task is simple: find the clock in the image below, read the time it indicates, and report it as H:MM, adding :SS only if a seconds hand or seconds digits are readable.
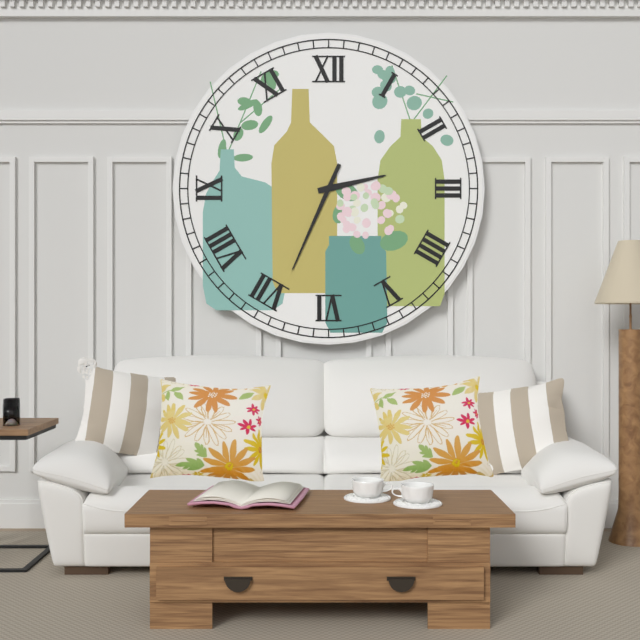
2:34
